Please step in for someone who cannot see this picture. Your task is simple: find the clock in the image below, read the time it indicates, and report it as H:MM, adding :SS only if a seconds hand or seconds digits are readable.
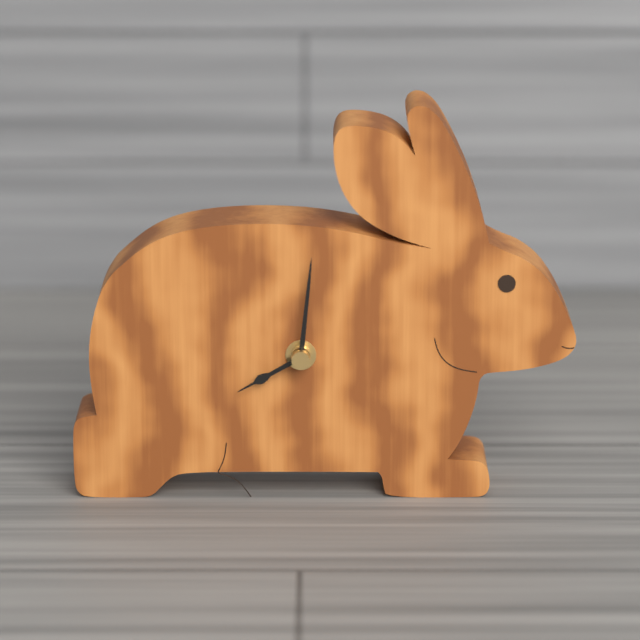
8:01
